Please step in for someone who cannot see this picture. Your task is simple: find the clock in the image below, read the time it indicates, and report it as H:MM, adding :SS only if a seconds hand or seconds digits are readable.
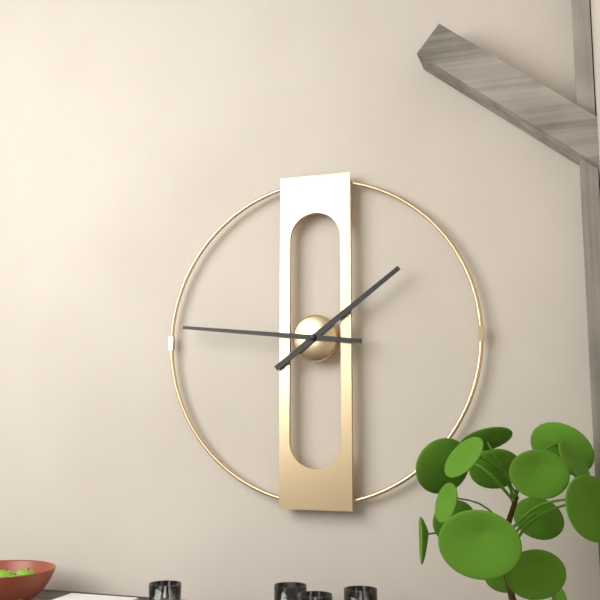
1:46
